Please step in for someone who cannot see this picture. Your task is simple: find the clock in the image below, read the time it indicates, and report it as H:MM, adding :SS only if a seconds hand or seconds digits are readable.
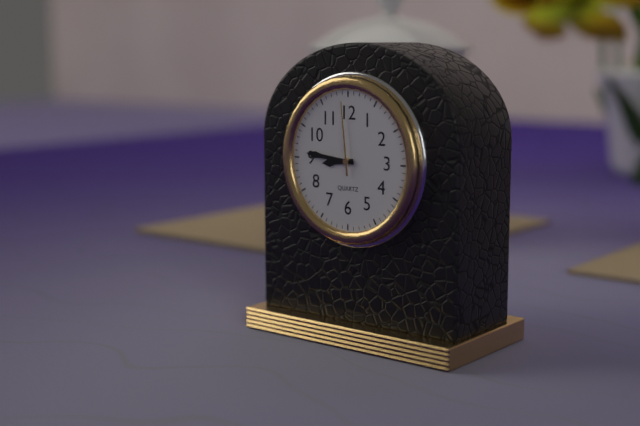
8:46:59
